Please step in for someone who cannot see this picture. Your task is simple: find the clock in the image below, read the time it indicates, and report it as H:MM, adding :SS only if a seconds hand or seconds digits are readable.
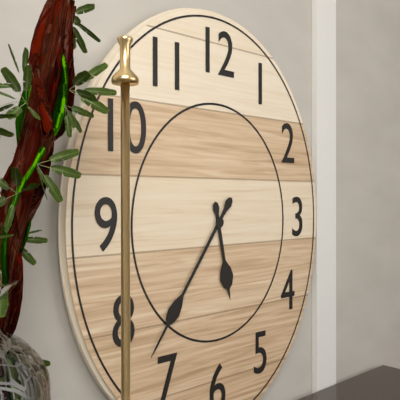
5:36
